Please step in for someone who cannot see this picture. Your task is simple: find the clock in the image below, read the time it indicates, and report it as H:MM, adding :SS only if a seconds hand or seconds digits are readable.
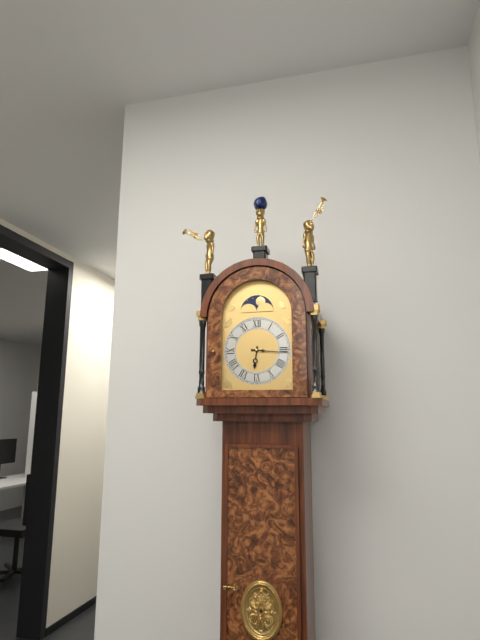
6:16
